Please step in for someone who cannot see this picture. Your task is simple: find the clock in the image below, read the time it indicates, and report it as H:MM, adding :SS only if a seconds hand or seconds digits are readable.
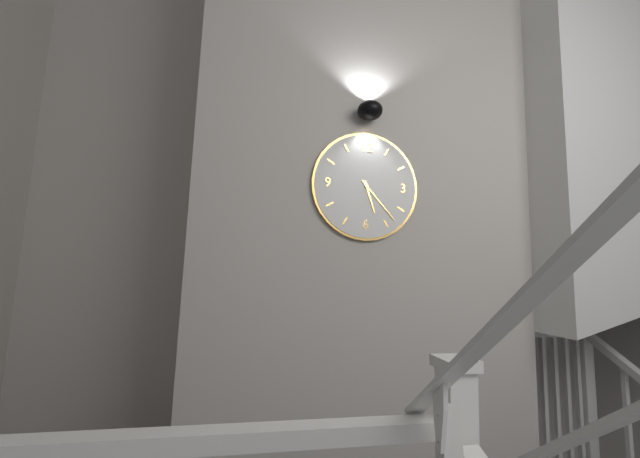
5:23
